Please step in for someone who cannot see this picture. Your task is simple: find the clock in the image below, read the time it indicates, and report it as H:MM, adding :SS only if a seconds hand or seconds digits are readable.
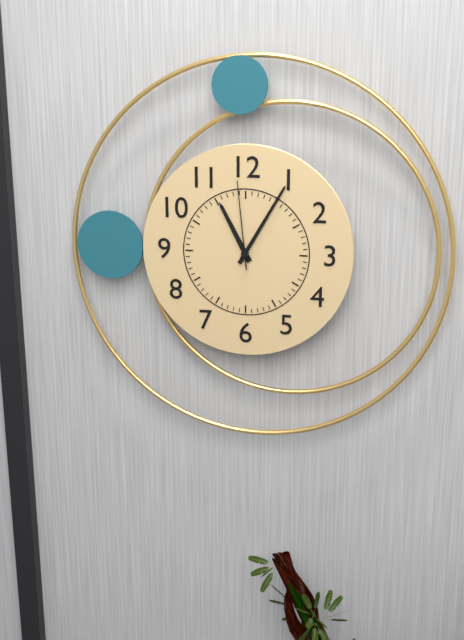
11:05:59
